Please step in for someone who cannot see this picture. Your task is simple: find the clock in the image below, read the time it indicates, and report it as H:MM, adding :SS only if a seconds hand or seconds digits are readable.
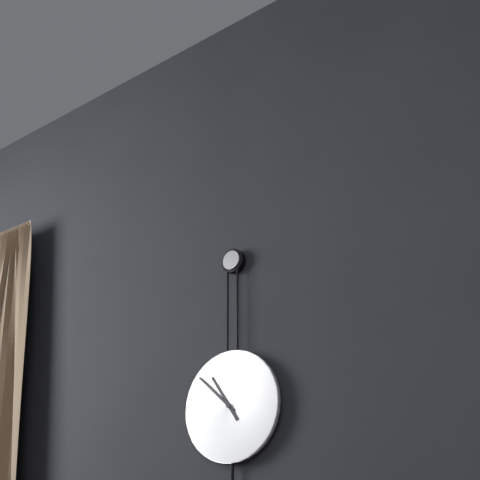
10:52
